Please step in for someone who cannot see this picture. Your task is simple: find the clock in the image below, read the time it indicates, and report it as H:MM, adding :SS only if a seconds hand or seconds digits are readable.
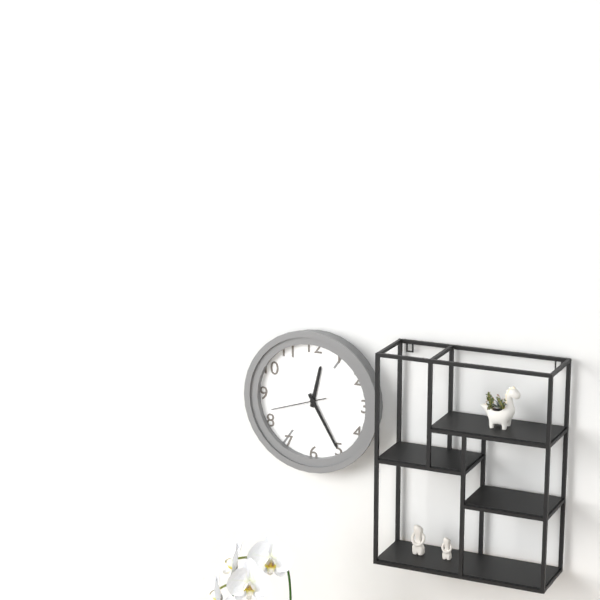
12:25:42
